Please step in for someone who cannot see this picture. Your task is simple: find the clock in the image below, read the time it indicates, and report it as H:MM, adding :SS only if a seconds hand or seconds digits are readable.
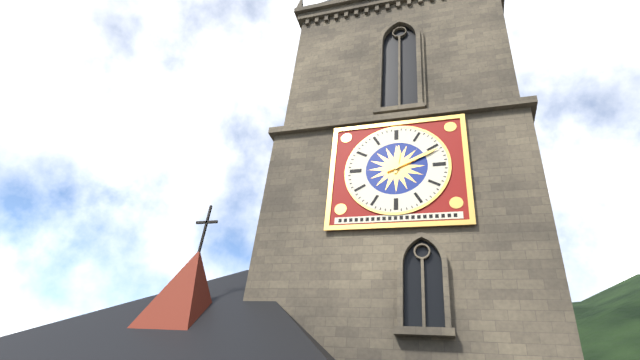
12:11
